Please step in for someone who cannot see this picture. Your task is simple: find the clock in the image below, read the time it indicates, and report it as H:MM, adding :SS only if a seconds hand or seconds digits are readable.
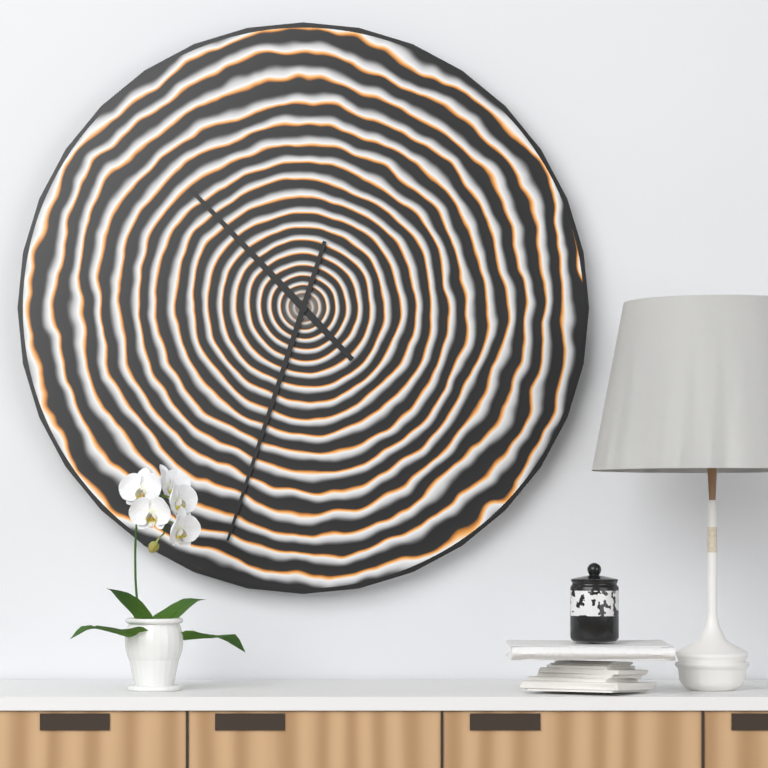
10:33
